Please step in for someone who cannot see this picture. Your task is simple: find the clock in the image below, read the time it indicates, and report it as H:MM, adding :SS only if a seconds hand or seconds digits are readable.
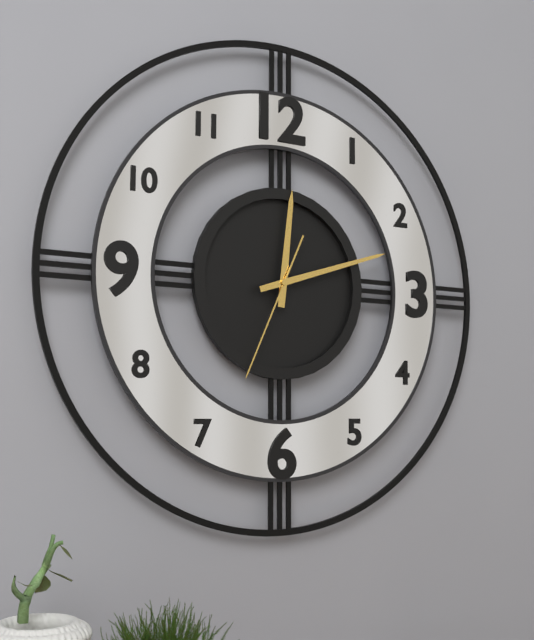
12:12:34
